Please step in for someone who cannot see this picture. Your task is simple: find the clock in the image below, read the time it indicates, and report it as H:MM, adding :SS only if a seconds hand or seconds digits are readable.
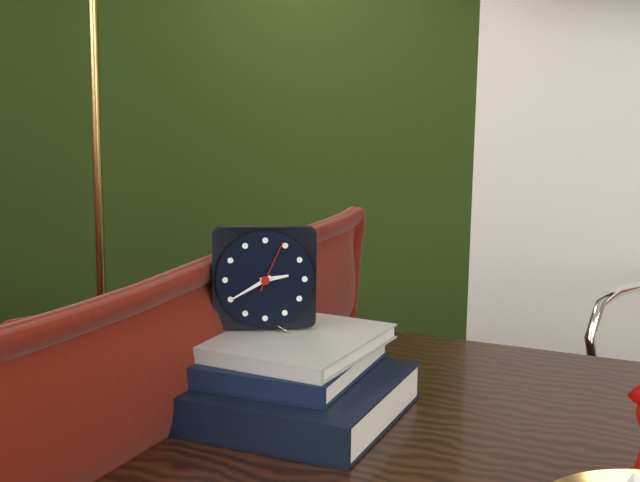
2:40:04
